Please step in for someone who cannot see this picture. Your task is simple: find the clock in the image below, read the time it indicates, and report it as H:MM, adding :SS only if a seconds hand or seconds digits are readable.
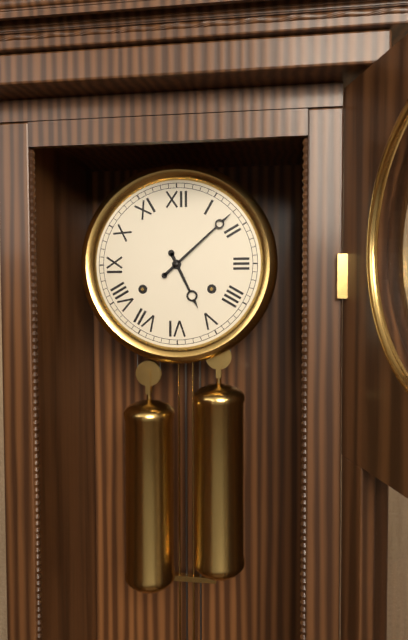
5:08
